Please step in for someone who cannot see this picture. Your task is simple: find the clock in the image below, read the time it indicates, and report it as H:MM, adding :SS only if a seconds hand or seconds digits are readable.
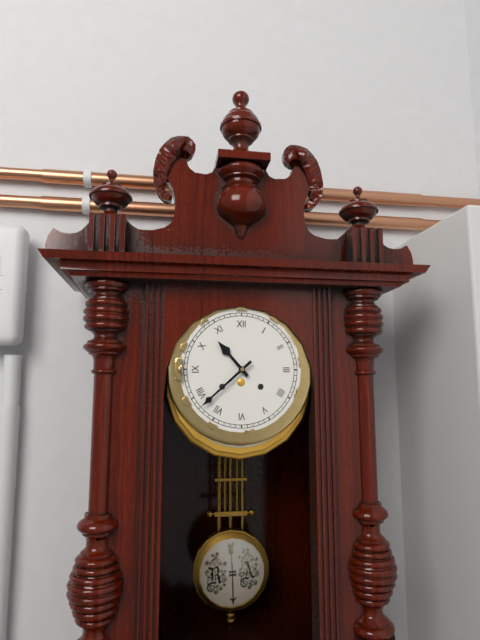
10:38
